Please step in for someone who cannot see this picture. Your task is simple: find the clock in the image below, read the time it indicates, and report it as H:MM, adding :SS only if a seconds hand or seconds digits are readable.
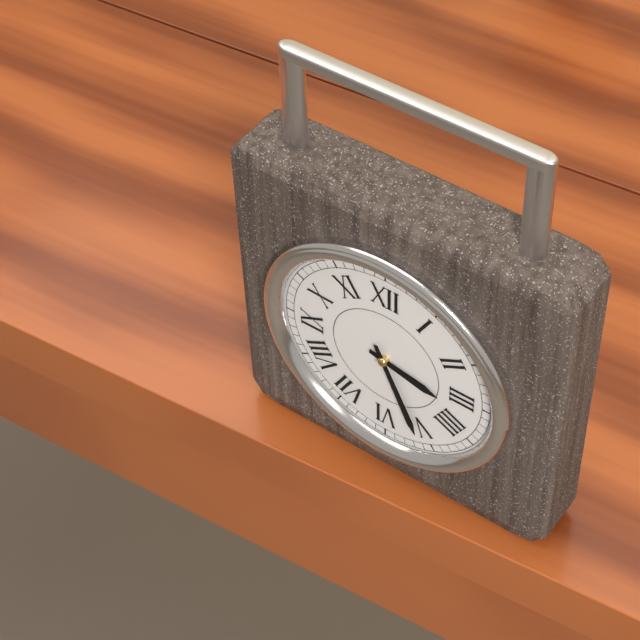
3:26
